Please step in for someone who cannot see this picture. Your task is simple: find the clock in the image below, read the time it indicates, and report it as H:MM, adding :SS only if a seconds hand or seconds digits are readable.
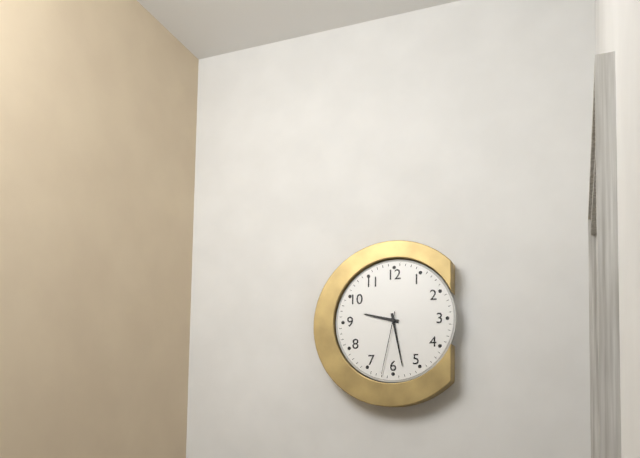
9:28:32
